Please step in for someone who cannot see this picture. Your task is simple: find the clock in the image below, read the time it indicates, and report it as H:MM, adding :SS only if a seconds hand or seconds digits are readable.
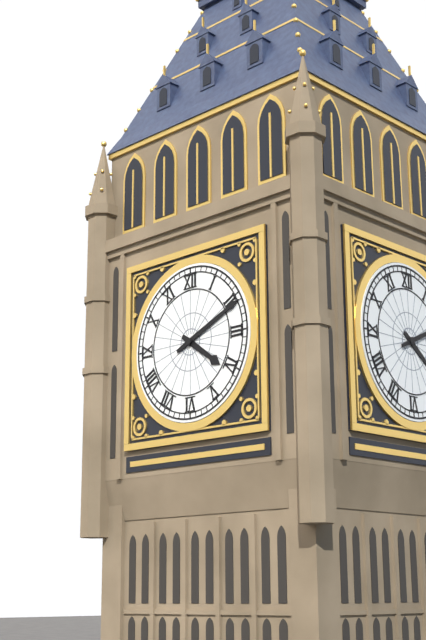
4:11
